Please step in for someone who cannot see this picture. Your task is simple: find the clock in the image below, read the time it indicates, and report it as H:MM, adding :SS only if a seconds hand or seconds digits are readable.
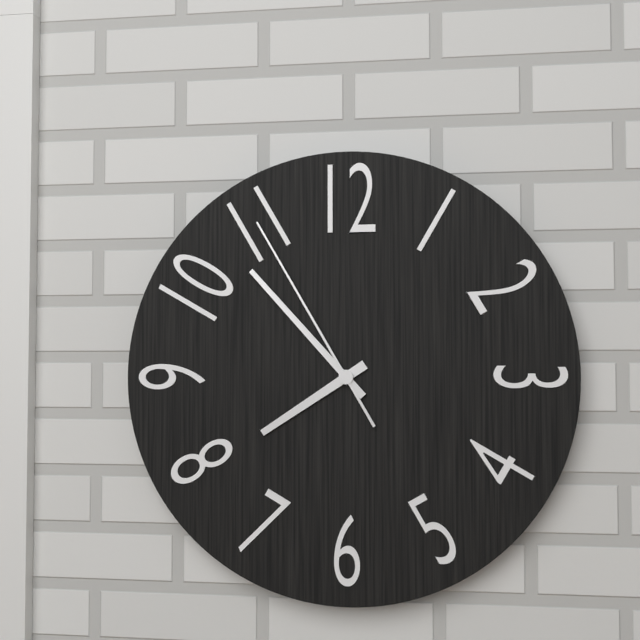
7:53:55
